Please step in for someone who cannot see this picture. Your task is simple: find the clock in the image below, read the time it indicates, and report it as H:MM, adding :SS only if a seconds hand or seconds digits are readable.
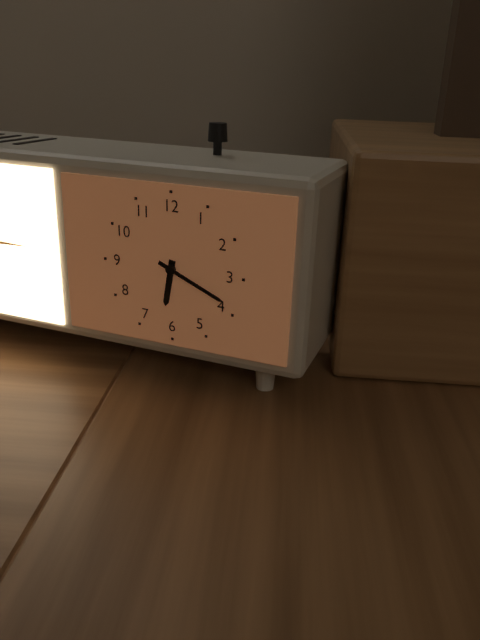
6:19
